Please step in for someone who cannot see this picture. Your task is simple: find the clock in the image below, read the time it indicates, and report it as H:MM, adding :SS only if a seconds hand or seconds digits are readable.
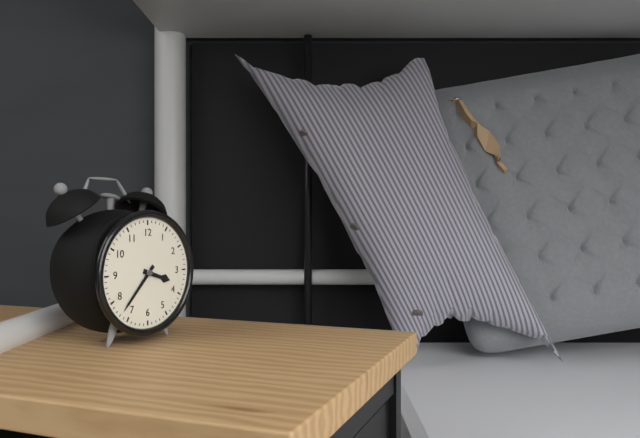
3:37
